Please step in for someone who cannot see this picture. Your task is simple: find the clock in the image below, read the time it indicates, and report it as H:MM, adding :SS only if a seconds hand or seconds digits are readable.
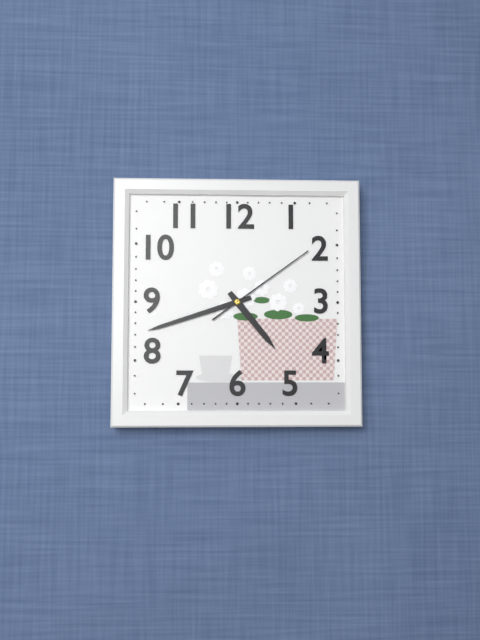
4:42:09
